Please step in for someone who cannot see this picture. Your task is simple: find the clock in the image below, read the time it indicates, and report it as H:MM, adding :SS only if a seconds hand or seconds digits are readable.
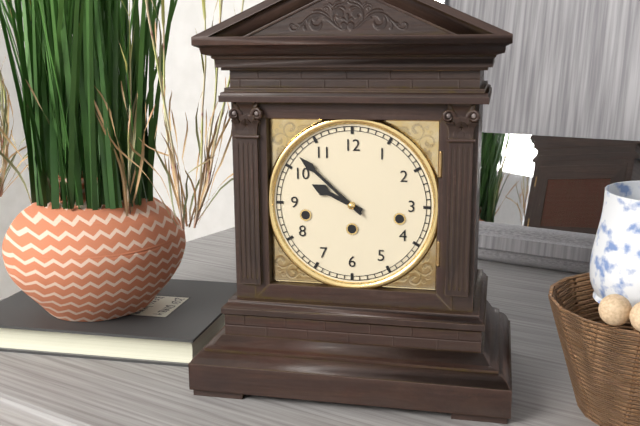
9:52
